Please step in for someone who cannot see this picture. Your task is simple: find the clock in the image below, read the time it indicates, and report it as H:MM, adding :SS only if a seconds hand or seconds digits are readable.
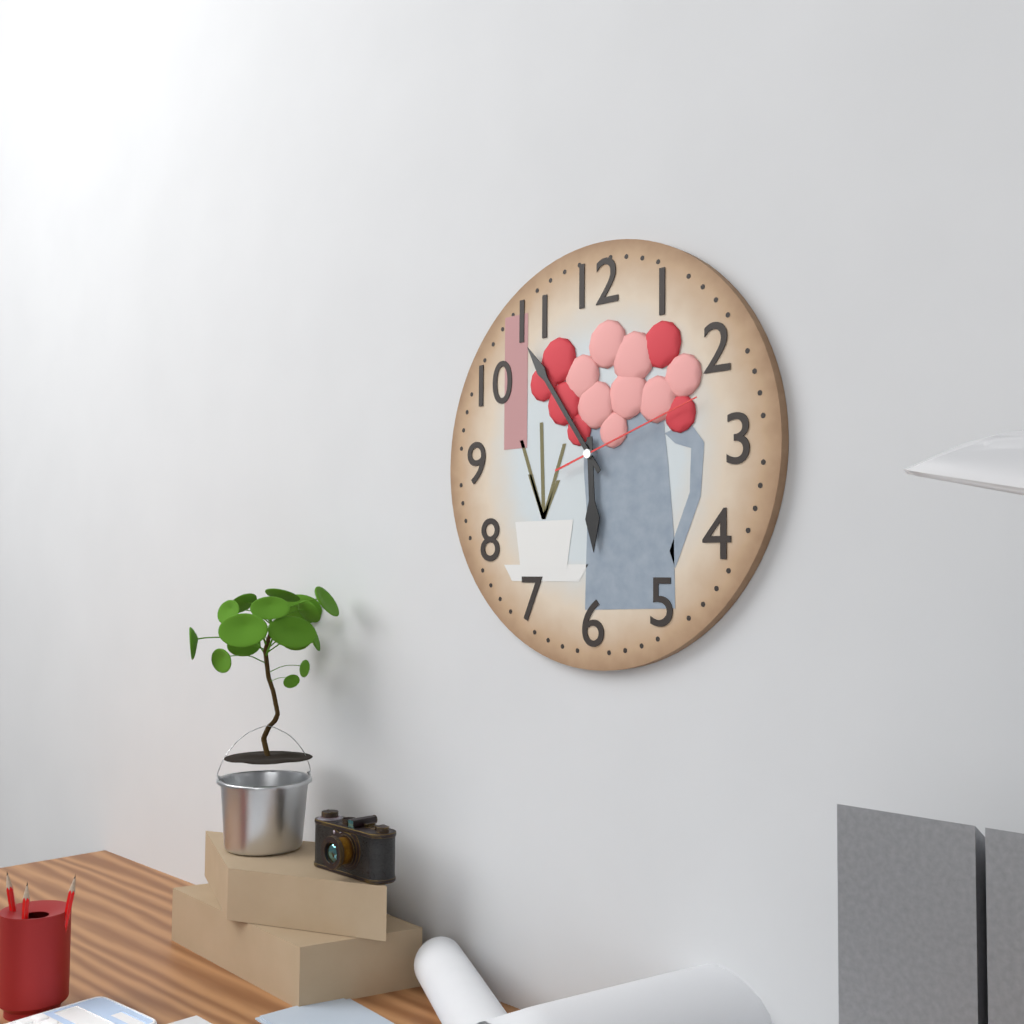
5:54:12
